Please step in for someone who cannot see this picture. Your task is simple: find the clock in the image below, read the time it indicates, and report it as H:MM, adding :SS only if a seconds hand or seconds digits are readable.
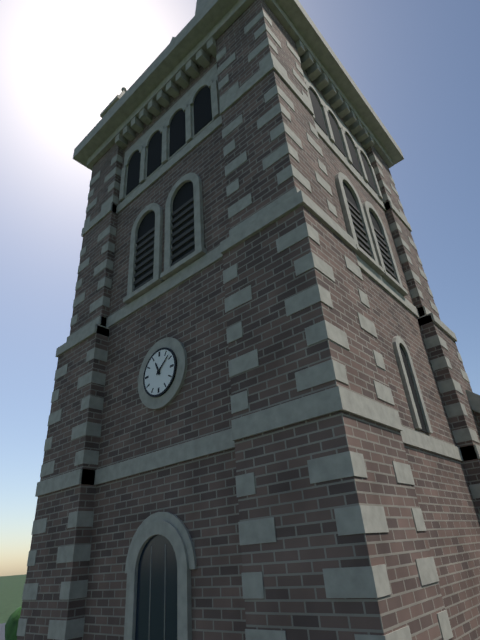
11:08
